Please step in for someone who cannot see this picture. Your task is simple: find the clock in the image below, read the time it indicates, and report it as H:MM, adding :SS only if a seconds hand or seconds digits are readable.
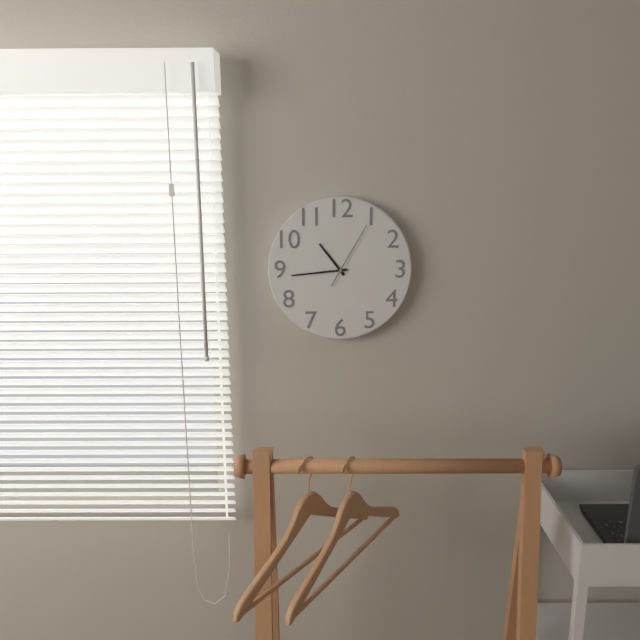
10:44:05
